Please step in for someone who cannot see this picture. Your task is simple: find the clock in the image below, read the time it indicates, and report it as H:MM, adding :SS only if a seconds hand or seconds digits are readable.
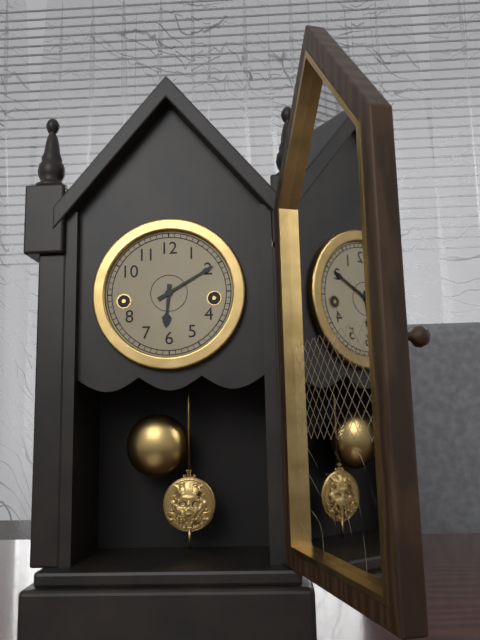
6:10
